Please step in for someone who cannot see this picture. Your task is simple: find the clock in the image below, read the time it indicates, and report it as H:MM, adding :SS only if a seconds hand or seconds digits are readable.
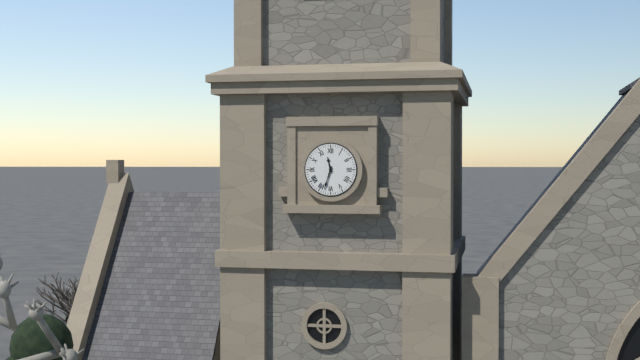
11:33
